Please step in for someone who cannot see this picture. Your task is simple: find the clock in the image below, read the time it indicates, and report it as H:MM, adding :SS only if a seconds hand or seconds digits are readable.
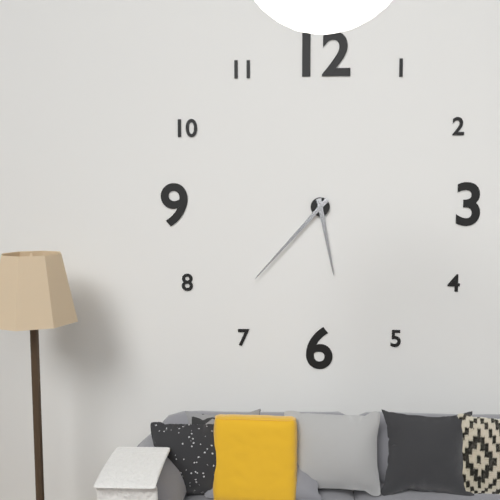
5:37
